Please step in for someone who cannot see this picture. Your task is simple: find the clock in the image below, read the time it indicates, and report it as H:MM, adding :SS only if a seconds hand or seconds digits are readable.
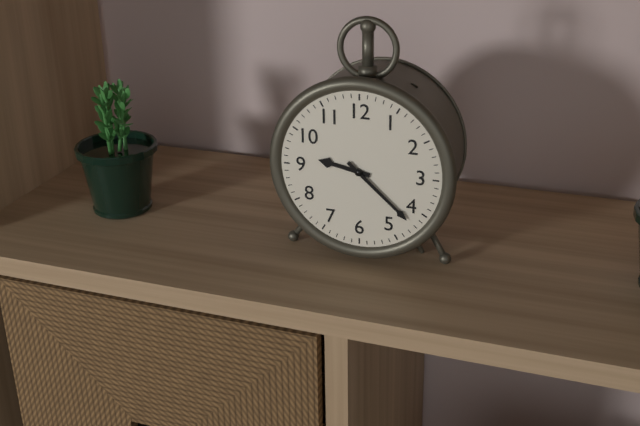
9:22
